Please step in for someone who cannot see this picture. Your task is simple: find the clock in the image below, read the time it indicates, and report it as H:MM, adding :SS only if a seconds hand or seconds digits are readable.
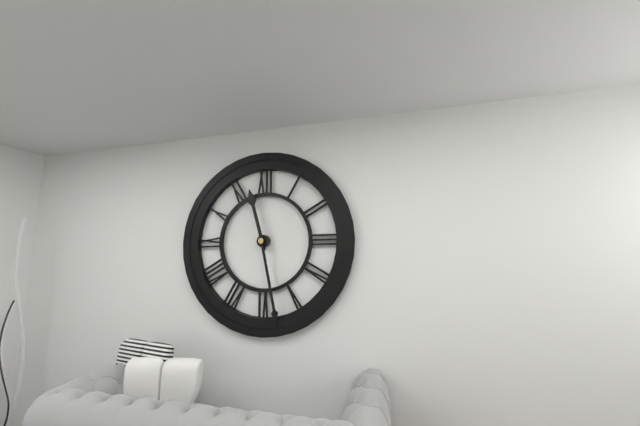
11:28
